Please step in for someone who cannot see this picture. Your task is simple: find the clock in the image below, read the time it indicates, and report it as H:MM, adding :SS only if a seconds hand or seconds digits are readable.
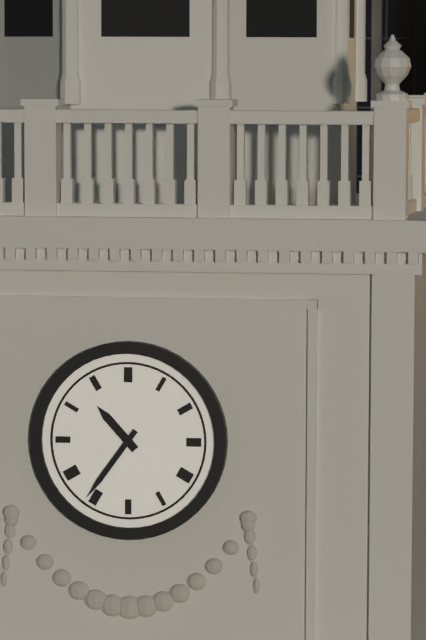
10:36
